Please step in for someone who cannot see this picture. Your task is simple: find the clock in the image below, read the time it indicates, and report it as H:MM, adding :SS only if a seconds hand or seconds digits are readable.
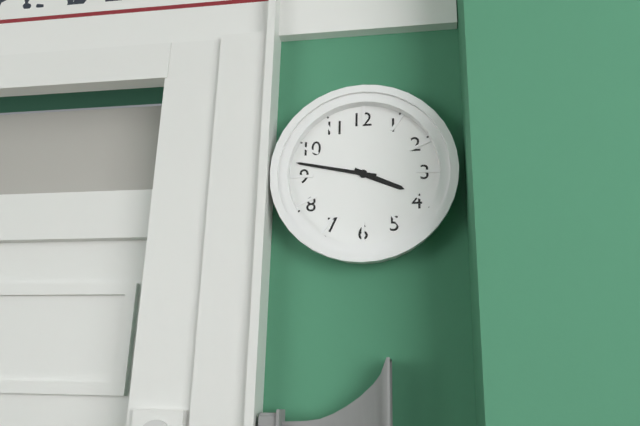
3:47
